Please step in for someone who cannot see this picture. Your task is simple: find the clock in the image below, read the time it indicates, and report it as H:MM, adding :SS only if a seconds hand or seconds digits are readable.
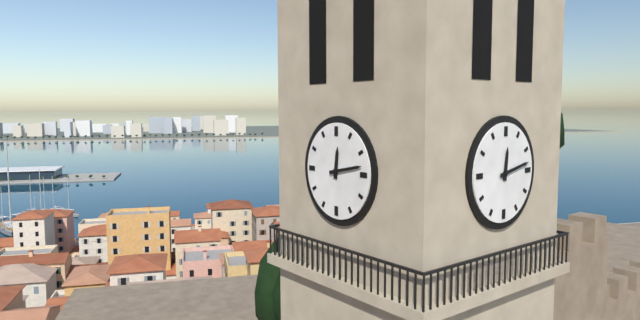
12:13
